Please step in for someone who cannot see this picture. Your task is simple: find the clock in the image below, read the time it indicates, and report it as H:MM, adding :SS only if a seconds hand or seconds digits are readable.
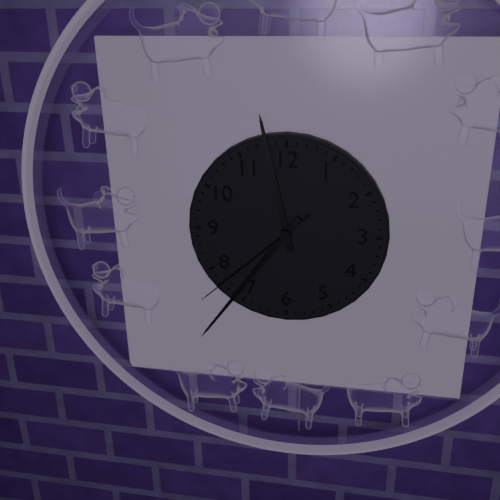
11:36:38
